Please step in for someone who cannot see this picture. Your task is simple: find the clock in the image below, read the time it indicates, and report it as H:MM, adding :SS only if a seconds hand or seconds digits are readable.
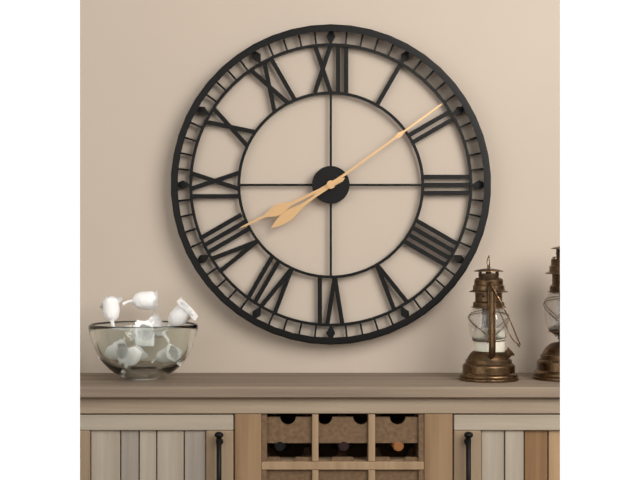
8:09
